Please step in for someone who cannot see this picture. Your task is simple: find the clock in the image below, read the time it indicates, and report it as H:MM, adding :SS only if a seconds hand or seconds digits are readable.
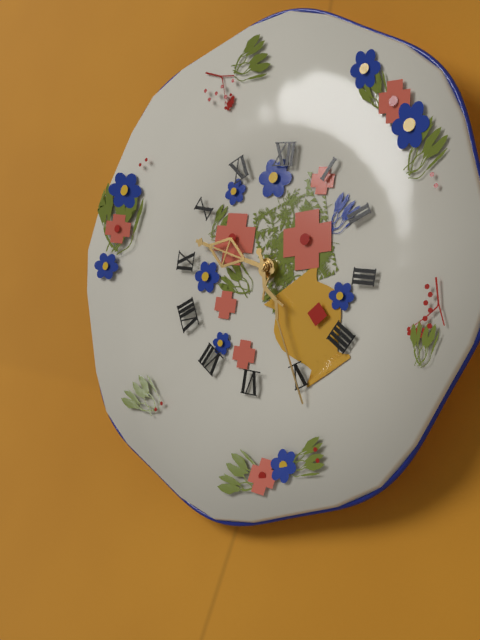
9:25
